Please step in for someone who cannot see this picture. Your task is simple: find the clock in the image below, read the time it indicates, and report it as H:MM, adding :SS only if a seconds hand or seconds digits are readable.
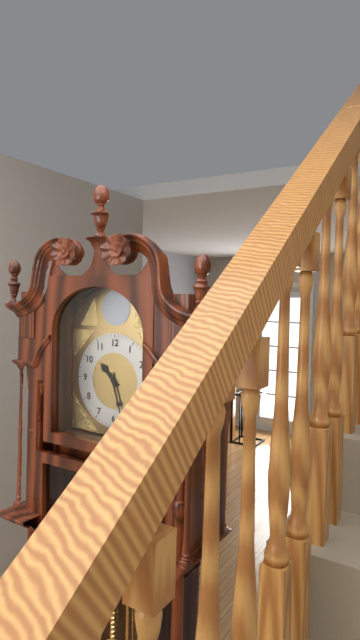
10:27
